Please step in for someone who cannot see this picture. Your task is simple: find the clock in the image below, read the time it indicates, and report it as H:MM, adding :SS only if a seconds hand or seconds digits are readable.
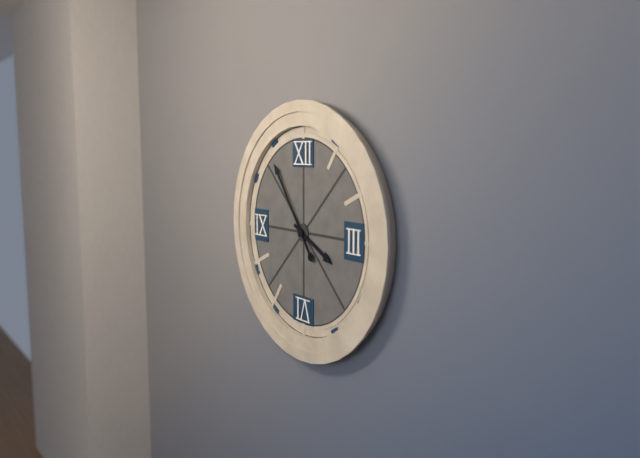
3:54
